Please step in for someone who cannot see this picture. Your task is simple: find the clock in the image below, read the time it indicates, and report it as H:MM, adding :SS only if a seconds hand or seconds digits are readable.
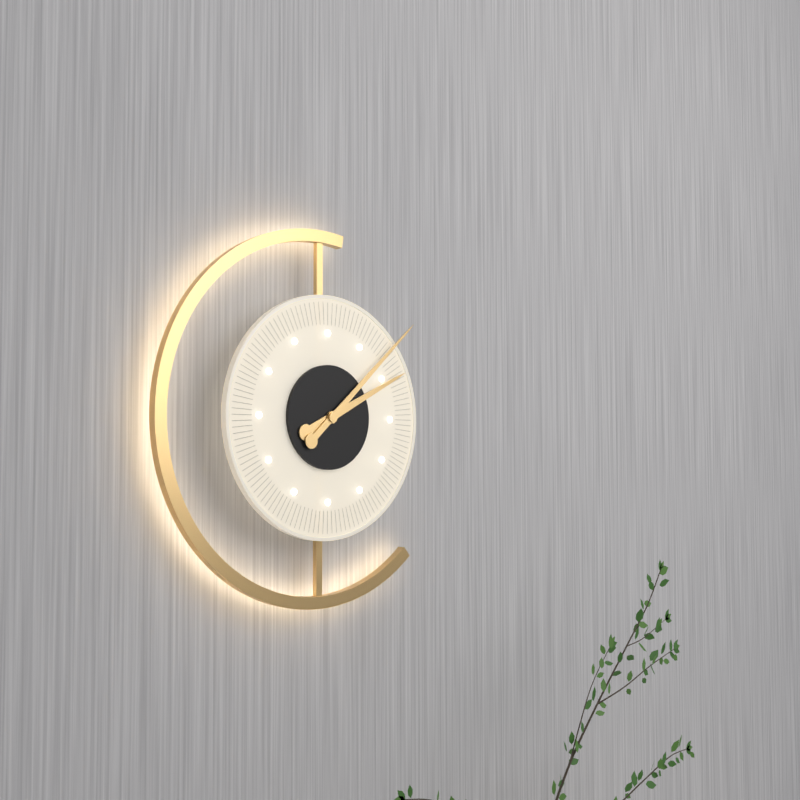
2:08
